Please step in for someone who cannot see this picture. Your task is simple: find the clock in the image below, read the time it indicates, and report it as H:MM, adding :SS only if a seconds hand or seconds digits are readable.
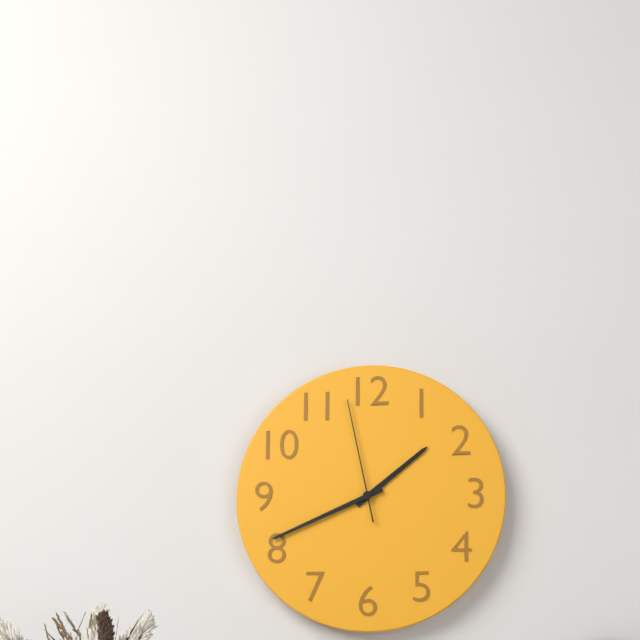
1:41:58
